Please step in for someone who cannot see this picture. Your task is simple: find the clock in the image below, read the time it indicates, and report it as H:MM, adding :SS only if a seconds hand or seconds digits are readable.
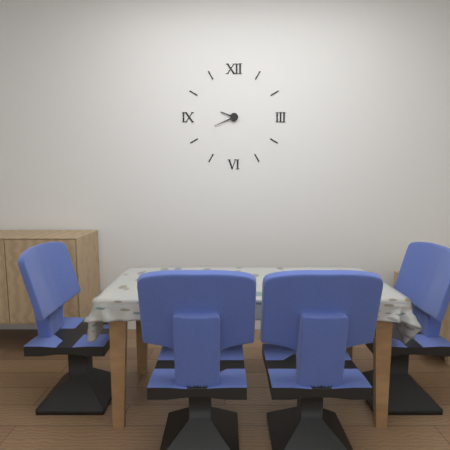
9:41
